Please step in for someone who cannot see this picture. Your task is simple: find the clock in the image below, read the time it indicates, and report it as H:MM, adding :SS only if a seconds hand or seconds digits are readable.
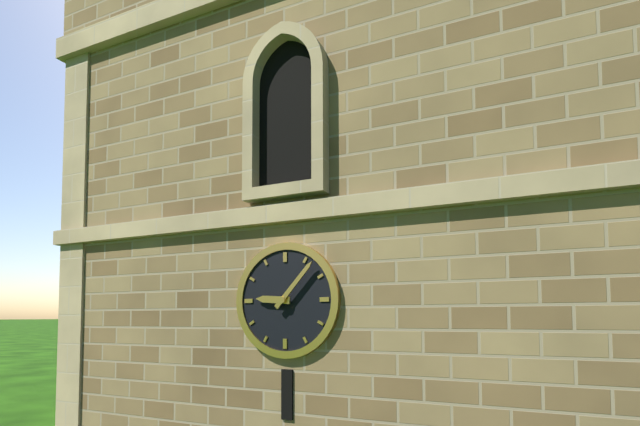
9:07
